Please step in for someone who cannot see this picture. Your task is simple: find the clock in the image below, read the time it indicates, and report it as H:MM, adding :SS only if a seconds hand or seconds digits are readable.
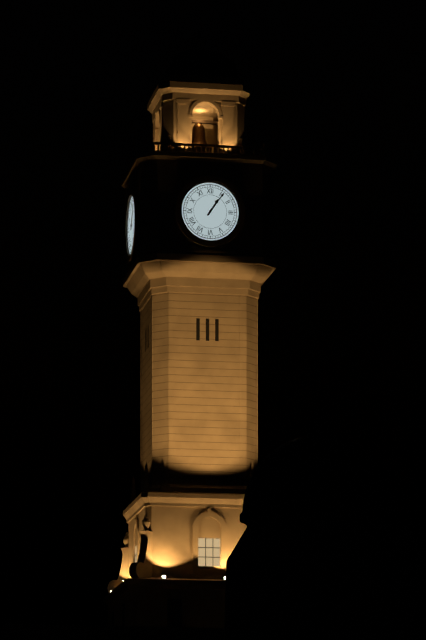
1:06
